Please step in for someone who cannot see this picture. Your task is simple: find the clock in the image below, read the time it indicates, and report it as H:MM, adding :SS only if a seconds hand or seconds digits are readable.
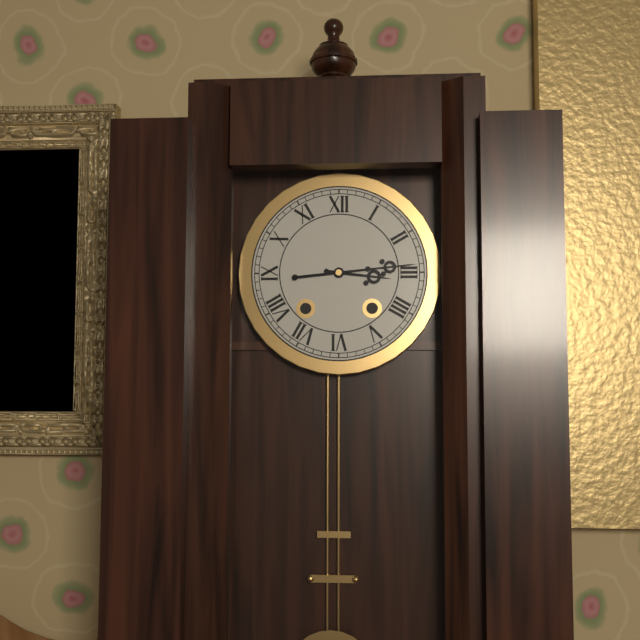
3:14
